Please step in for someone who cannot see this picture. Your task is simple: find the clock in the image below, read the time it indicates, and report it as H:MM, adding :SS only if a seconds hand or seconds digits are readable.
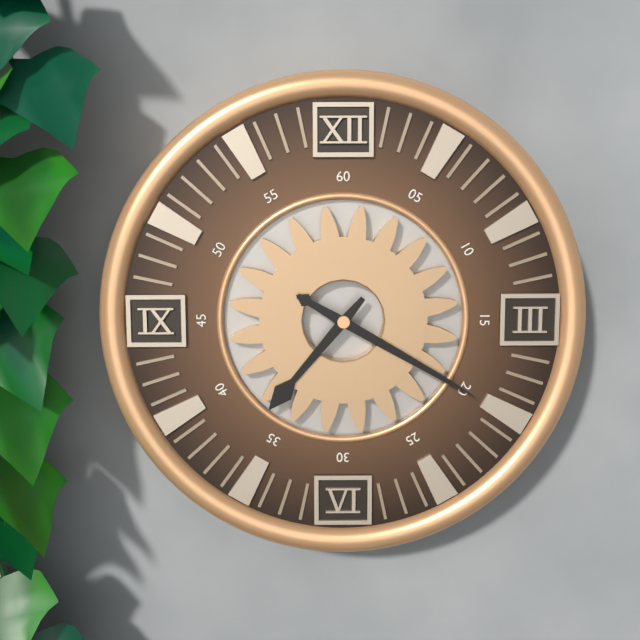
7:20
